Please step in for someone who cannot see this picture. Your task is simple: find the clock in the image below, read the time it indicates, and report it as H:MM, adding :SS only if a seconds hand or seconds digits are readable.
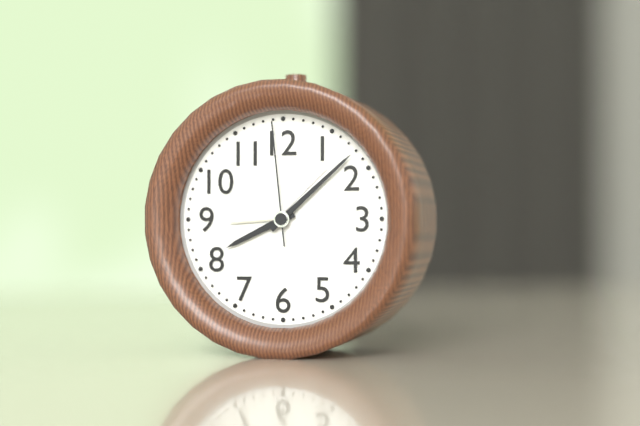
8:08:59
